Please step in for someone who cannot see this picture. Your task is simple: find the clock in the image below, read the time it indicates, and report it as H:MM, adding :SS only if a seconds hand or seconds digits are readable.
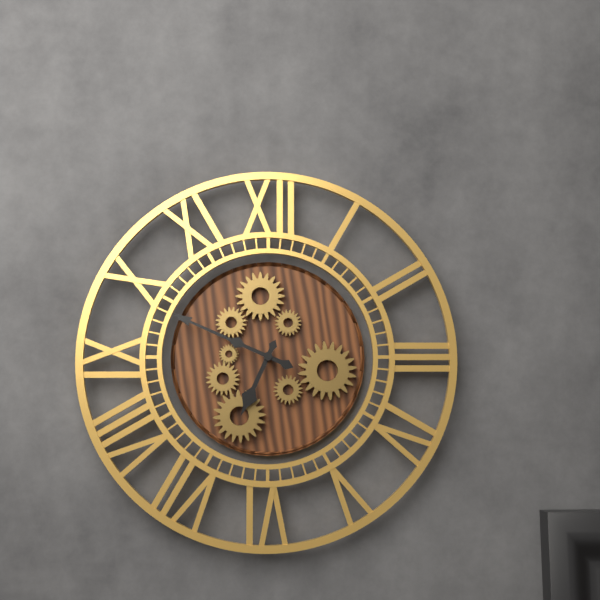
6:49
